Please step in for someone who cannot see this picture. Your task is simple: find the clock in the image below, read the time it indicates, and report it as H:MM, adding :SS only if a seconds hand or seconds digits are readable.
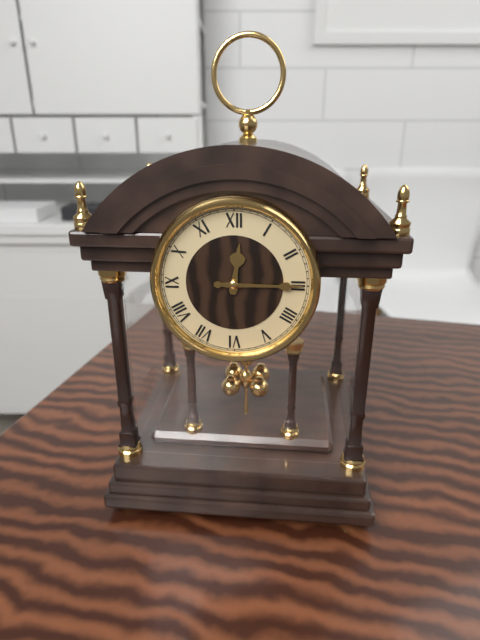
12:15
